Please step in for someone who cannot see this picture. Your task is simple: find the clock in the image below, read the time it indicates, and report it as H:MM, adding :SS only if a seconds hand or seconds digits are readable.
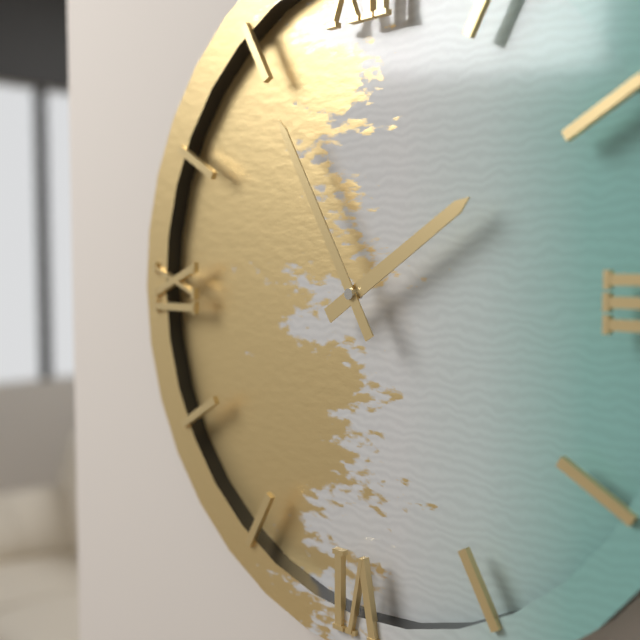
1:55
